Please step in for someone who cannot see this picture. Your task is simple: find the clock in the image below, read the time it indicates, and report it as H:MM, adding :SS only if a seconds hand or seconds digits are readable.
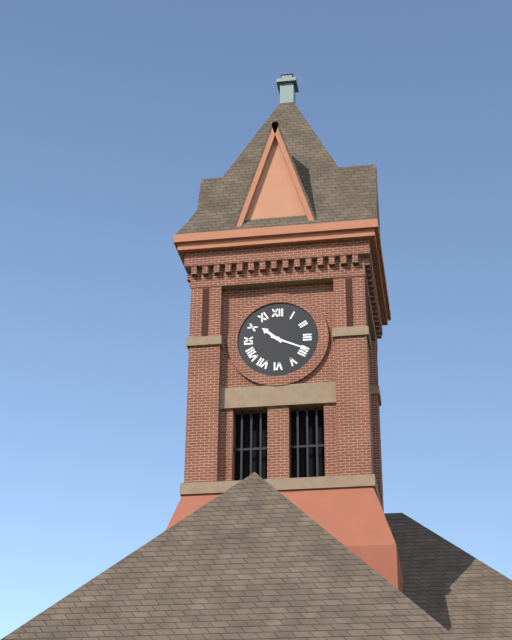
10:19
